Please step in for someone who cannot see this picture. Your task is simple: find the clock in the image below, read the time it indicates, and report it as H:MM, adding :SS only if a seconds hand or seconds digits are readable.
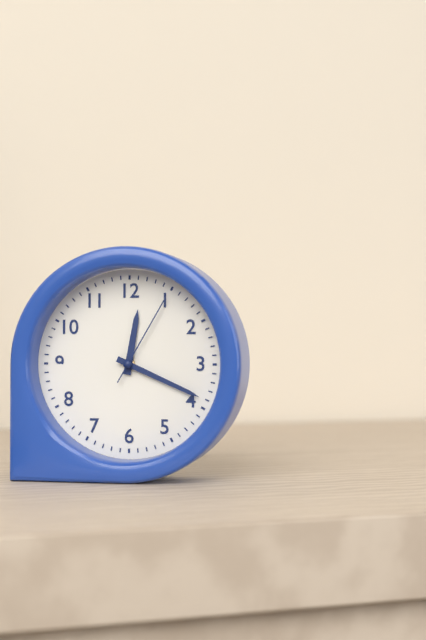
12:19:05
